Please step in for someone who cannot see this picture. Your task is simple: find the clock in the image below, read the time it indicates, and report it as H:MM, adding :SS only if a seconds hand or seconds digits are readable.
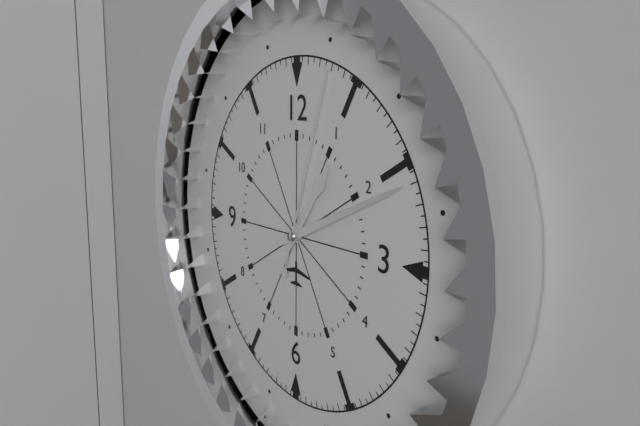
1:11:03
